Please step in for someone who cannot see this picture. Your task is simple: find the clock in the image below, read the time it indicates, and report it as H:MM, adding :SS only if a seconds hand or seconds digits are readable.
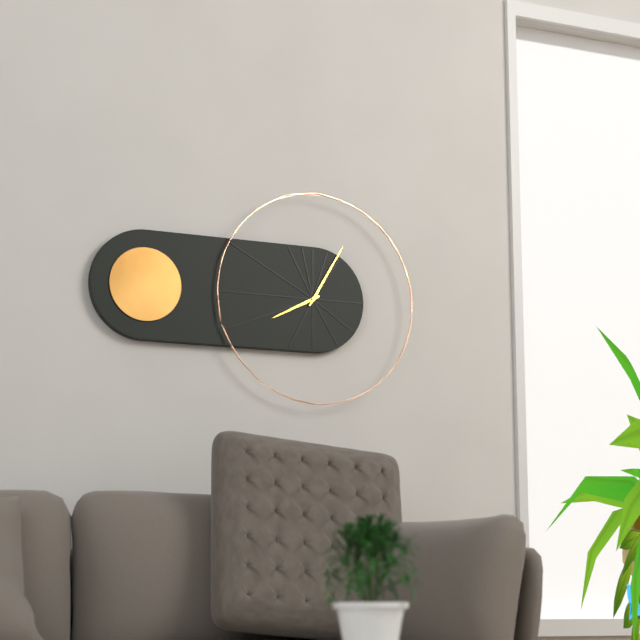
8:05
